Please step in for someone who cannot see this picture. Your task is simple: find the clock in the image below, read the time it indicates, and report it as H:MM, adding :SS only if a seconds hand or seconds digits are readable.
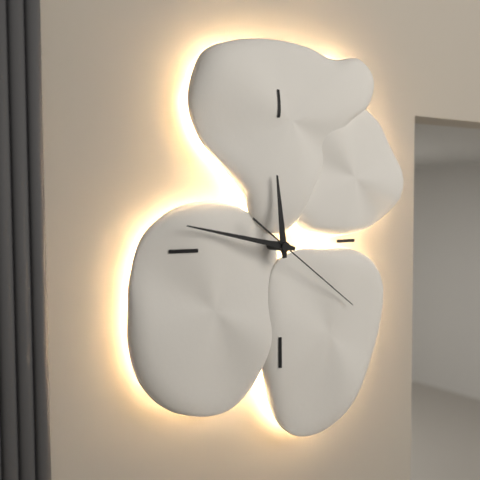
11:47:21
